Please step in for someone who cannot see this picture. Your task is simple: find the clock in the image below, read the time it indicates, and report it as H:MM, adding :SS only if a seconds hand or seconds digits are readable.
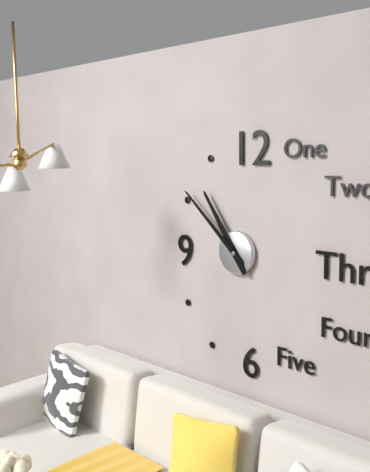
10:52
